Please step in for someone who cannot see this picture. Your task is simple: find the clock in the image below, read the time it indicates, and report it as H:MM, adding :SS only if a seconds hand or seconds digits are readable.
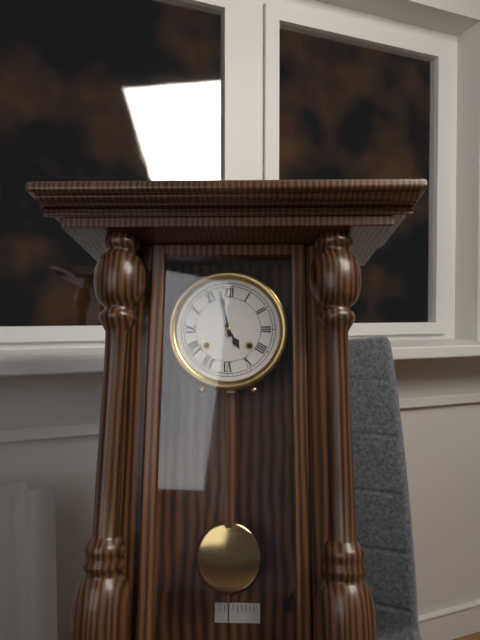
4:58
